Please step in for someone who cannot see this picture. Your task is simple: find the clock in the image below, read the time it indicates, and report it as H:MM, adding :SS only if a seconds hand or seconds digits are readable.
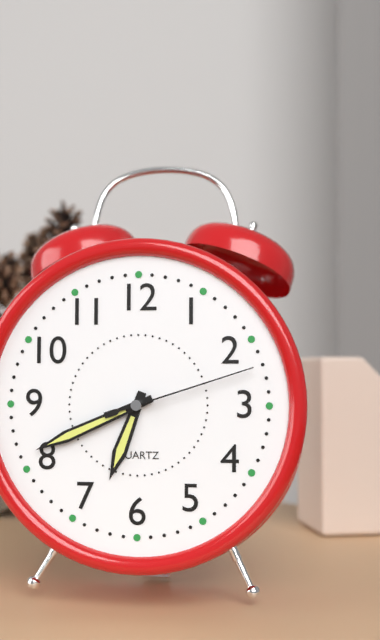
6:41:12
